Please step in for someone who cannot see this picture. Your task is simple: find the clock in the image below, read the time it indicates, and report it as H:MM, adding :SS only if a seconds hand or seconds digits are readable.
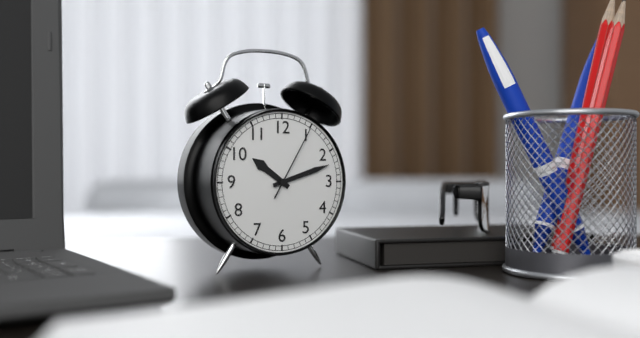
10:12:05
